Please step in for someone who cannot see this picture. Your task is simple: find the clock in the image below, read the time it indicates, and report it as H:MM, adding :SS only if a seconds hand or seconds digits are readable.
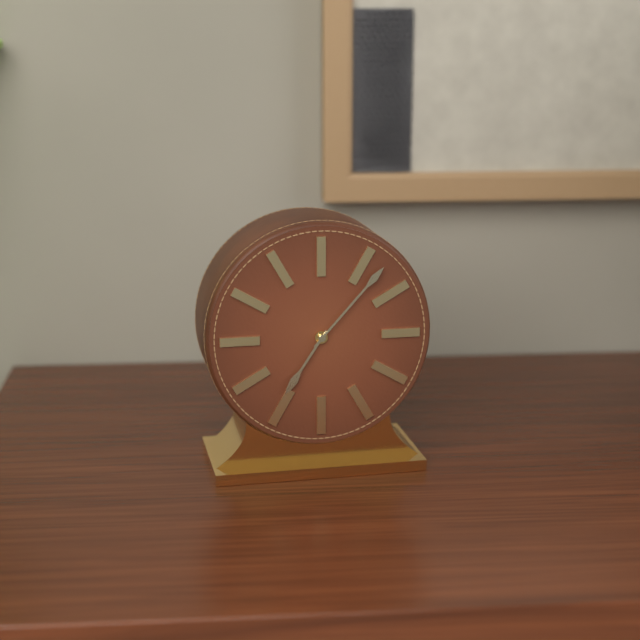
7:07
